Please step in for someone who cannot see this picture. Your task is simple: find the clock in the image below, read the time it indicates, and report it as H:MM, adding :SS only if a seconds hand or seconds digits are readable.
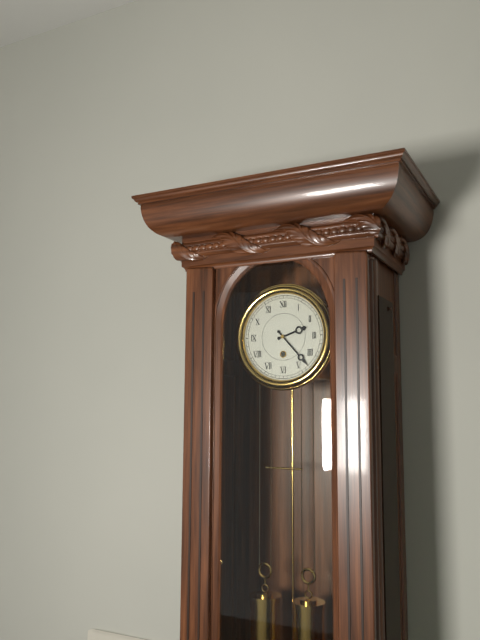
2:23
